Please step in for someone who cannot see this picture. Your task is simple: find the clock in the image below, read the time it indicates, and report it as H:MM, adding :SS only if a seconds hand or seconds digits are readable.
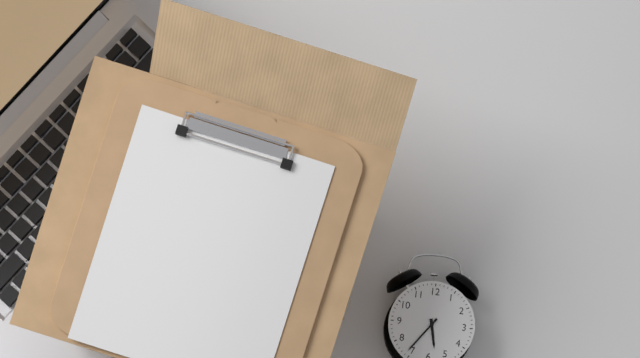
5:36
